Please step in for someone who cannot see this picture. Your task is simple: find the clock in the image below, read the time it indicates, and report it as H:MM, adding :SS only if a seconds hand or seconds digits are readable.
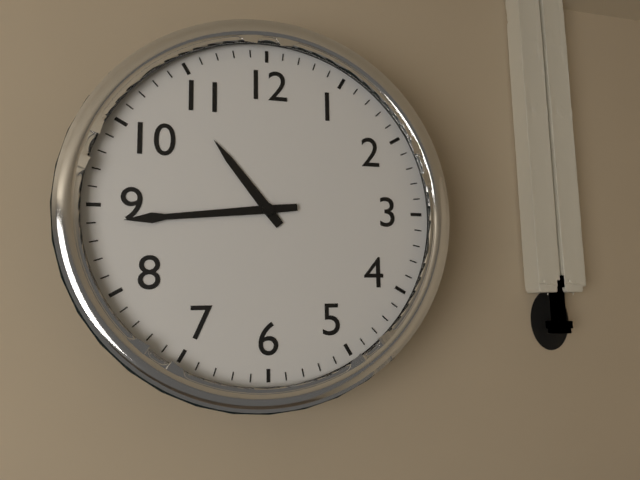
10:44
